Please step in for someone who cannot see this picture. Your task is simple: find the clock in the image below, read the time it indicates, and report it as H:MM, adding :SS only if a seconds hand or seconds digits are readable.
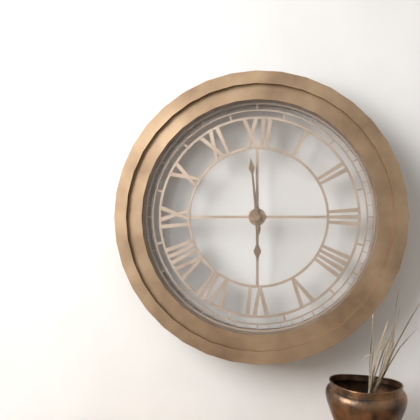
5:59
